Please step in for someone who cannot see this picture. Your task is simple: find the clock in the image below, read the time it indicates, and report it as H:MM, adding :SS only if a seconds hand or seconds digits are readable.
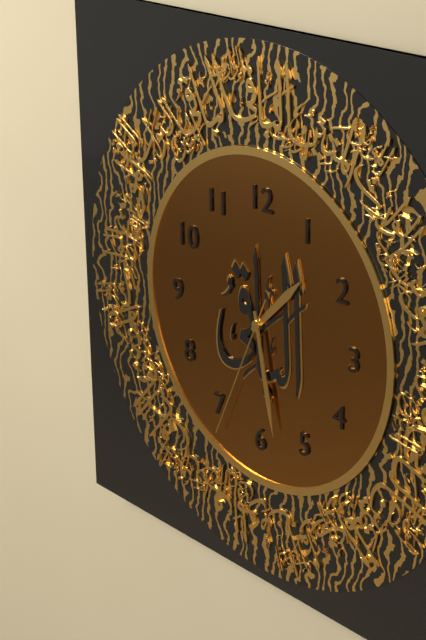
1:28:34
